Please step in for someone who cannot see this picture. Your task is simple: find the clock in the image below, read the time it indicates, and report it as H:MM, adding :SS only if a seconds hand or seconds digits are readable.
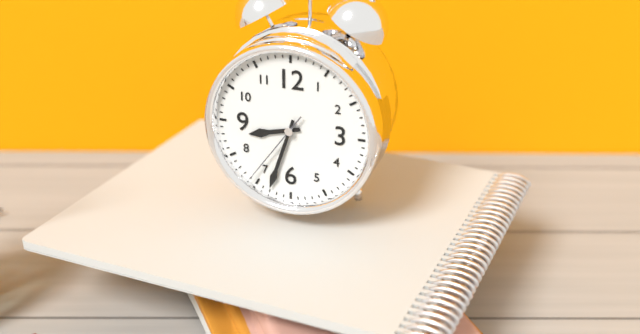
8:33:36
